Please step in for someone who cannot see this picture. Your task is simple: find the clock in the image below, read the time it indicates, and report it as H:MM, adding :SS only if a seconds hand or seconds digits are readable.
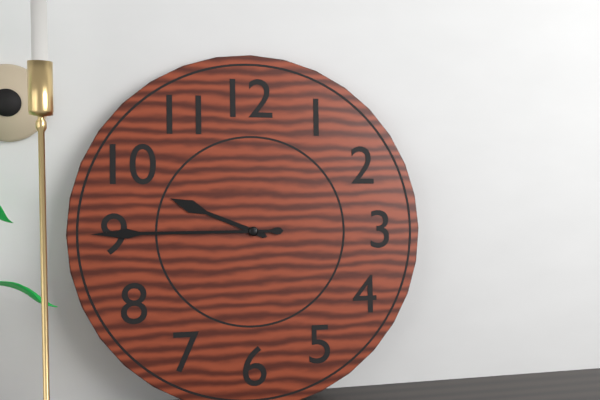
9:45
